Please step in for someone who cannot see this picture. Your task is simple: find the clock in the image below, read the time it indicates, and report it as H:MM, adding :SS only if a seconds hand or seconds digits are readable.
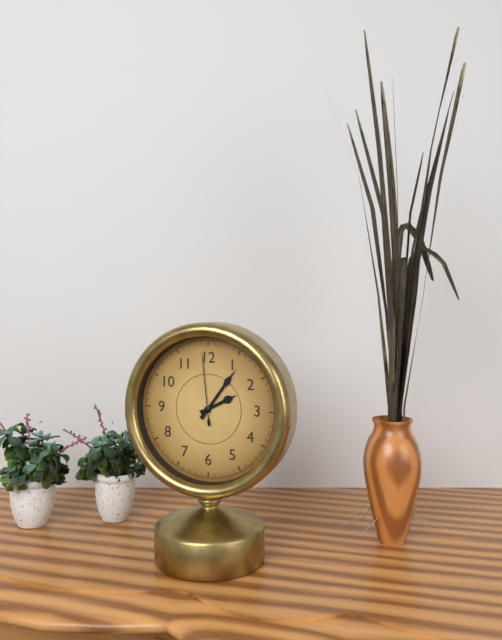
2:06:59
